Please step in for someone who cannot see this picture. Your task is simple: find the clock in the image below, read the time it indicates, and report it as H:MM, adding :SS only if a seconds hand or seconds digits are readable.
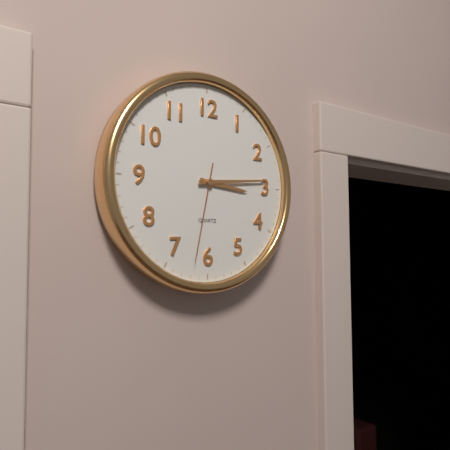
3:14:32
